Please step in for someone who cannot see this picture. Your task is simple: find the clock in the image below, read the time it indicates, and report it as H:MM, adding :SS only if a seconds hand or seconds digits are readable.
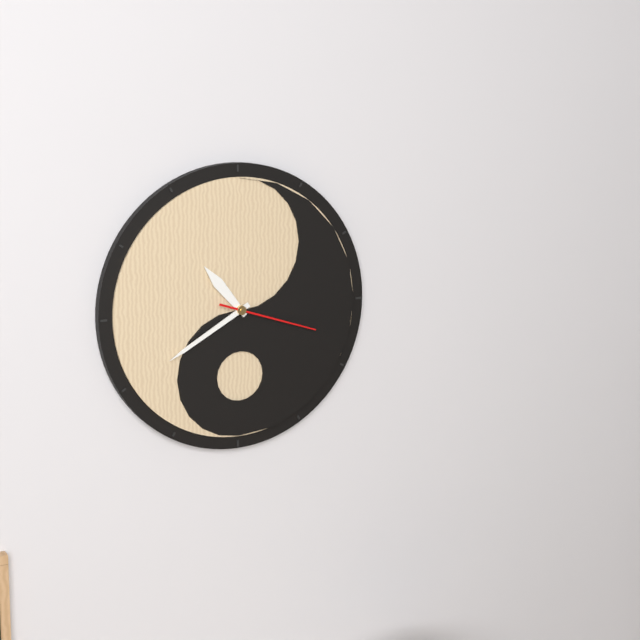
10:40:18
